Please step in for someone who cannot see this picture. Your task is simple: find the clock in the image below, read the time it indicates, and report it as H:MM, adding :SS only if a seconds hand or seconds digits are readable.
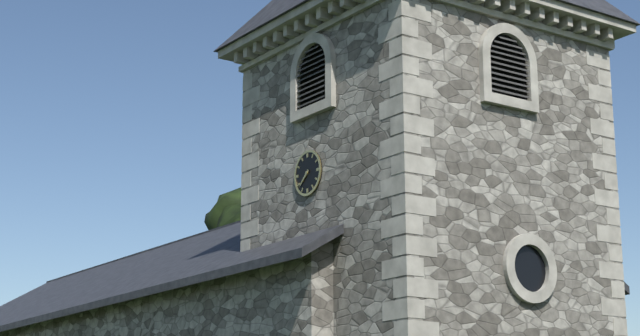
7:38
